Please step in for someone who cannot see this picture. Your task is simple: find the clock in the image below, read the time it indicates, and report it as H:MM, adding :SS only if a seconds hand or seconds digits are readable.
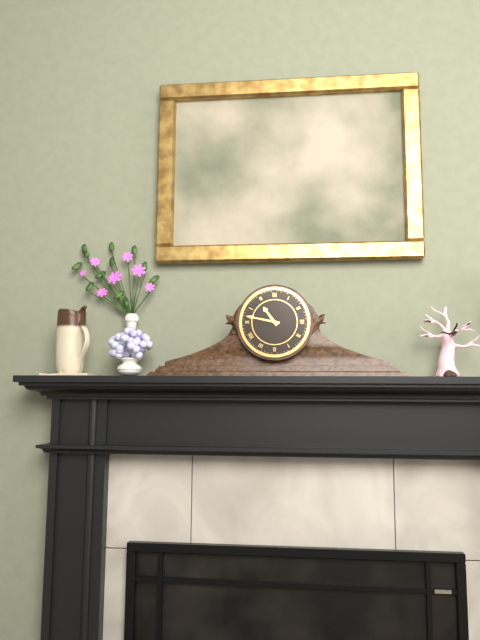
10:47
